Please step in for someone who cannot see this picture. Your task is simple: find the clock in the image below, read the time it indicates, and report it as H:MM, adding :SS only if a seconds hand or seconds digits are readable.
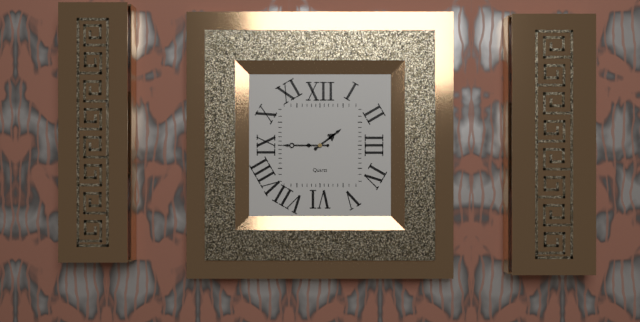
1:45
